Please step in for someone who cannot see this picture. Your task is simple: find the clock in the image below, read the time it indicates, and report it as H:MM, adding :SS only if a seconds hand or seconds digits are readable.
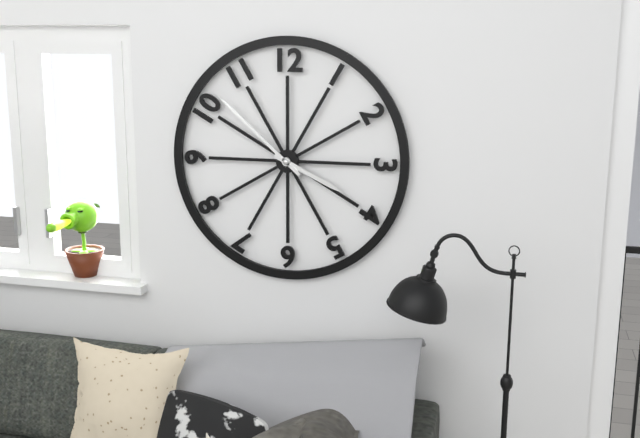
3:52
